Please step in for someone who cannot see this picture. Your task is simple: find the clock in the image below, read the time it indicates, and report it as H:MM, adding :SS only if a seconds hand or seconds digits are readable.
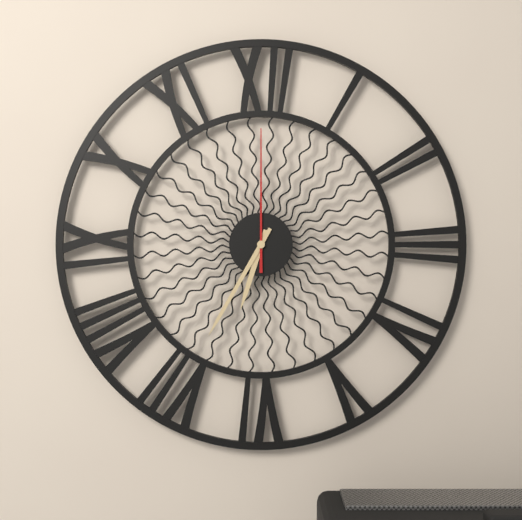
6:35:00
